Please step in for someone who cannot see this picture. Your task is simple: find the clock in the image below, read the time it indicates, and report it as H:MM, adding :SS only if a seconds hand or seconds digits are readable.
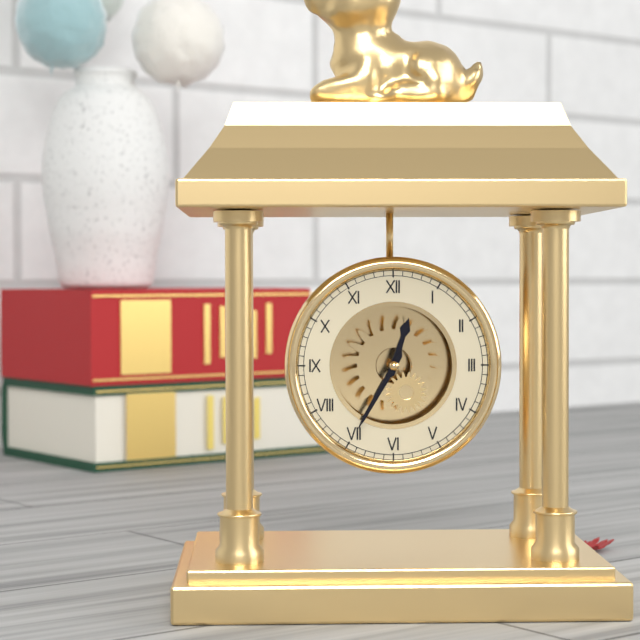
12:35
